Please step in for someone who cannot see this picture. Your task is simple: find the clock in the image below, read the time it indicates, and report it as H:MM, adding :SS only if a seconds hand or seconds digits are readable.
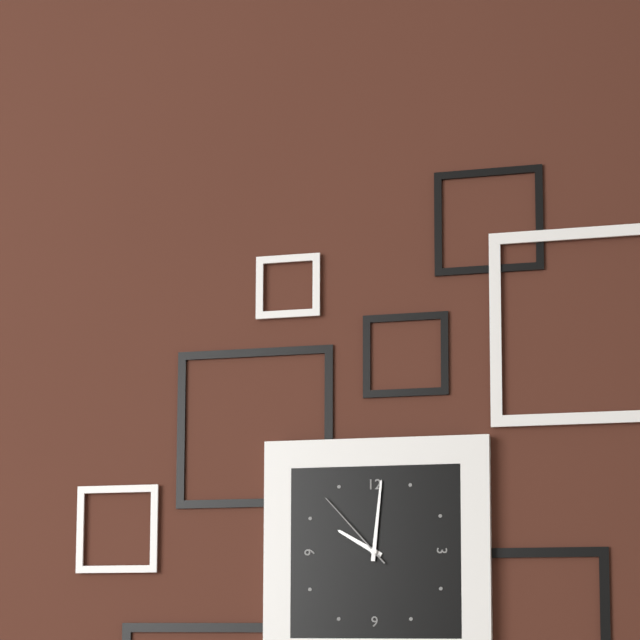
10:01:53
